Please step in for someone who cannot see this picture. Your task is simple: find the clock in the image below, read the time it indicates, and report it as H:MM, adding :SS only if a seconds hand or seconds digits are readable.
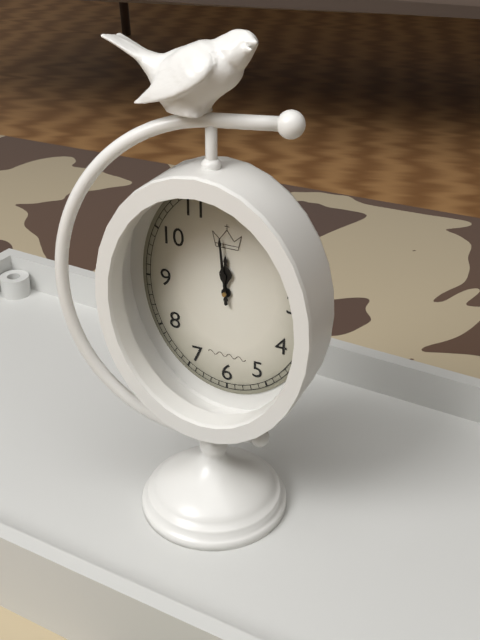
11:59
